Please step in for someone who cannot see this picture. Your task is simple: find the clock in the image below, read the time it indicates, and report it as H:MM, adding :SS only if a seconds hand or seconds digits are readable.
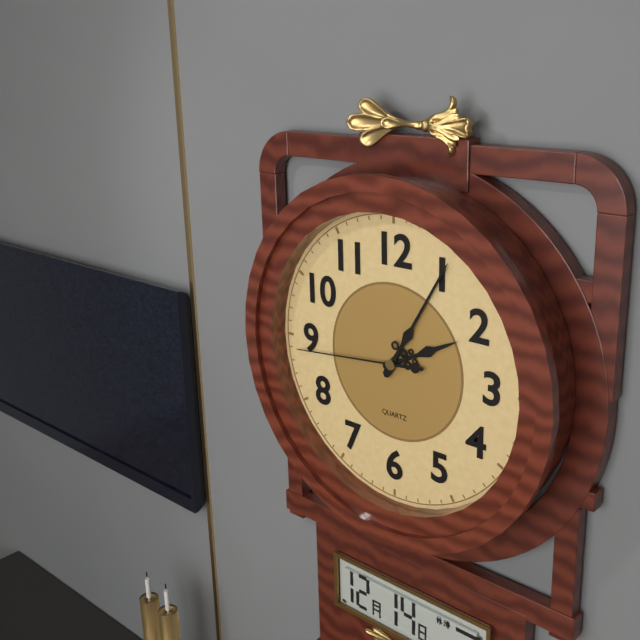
2:05:44
